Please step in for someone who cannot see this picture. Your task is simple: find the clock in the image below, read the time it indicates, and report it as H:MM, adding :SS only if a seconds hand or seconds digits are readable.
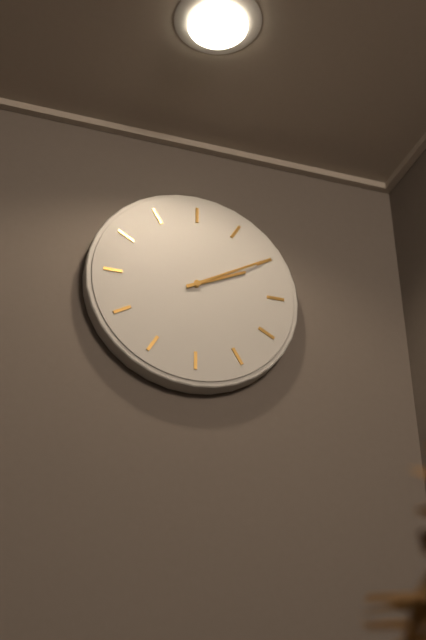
2:10
